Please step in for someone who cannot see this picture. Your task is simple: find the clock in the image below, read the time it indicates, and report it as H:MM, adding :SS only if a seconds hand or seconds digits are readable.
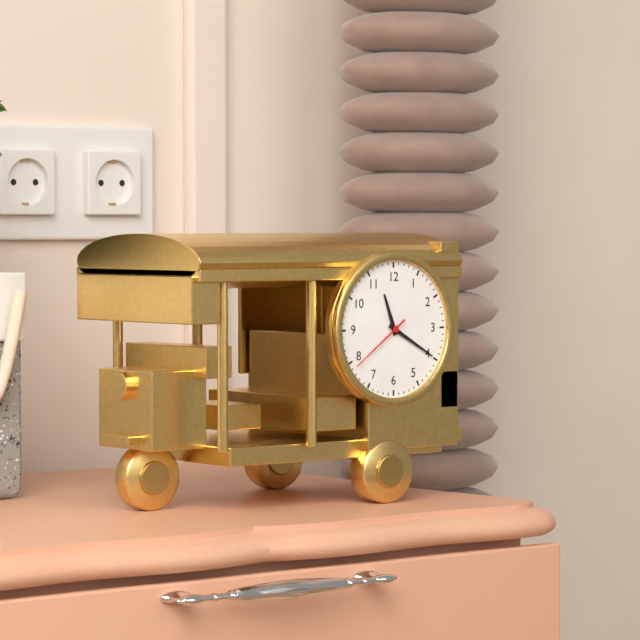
11:20:39
